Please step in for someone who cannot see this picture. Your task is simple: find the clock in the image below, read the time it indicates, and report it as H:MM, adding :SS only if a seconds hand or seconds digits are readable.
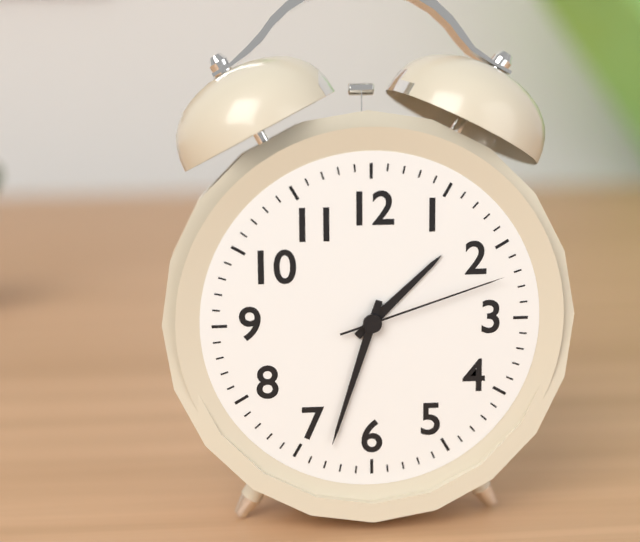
1:33:12
